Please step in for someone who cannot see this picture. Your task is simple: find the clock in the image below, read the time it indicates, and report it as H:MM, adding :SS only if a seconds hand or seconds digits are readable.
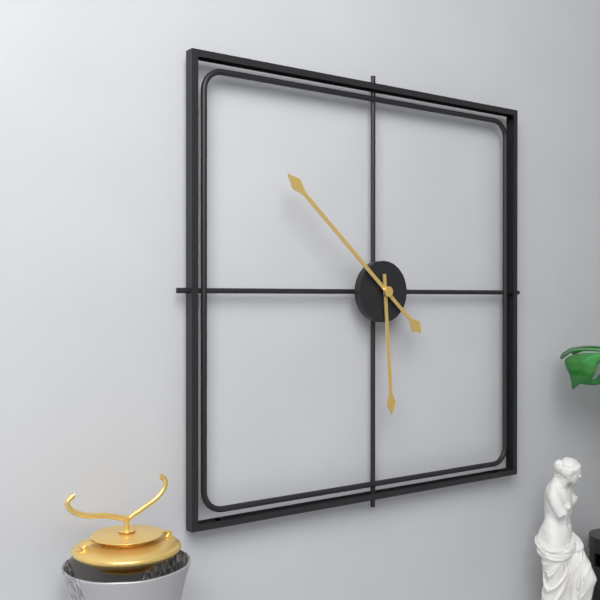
5:52
